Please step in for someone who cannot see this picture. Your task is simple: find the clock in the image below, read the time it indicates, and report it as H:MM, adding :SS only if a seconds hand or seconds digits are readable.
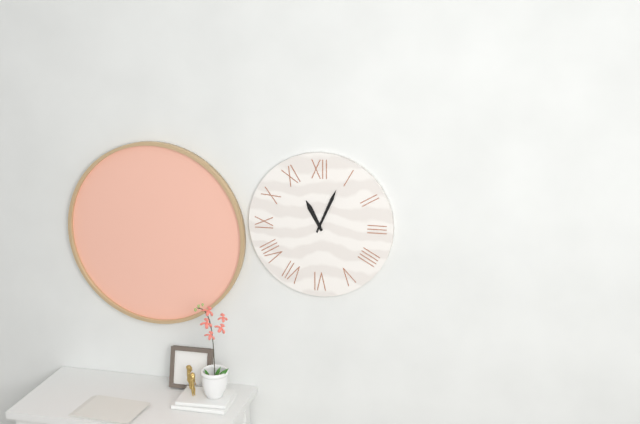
11:04
